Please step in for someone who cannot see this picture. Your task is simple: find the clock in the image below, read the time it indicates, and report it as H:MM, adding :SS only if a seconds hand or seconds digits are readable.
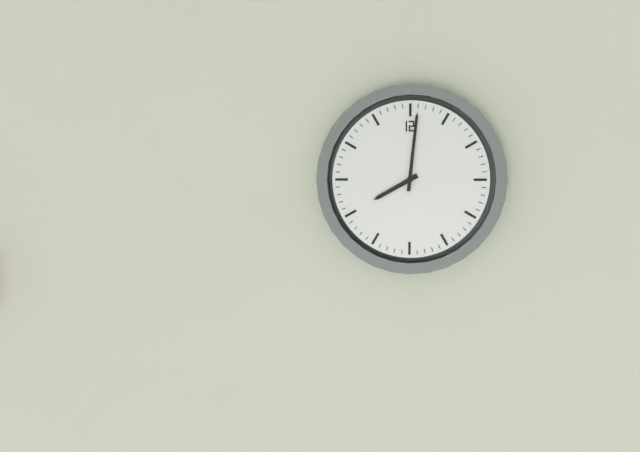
8:01
